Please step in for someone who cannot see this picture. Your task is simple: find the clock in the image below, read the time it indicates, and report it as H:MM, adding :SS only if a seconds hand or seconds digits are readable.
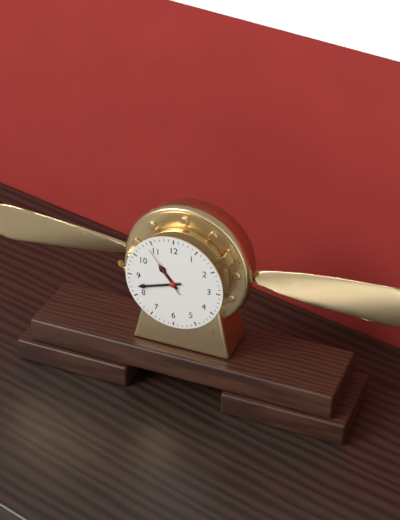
10:42:54
